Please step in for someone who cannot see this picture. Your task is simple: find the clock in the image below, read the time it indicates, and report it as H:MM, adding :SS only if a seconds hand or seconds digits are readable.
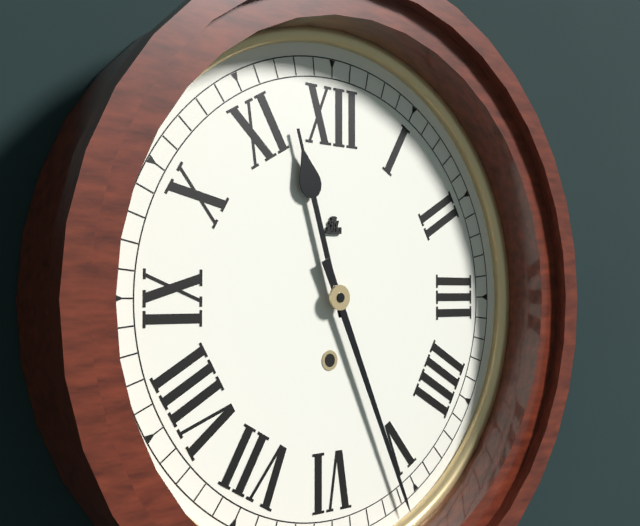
11:26
